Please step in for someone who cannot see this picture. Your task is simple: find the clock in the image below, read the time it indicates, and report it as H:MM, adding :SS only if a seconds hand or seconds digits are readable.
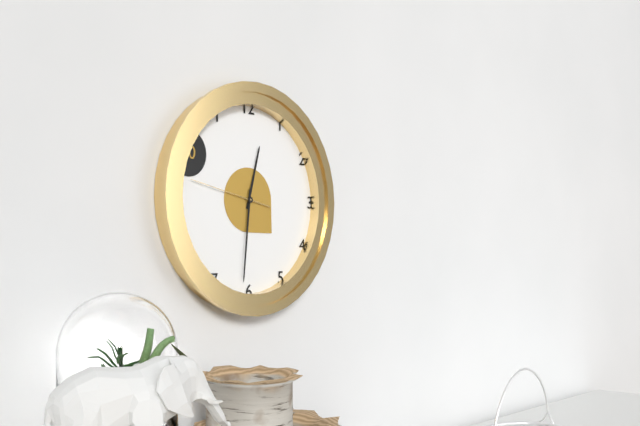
12:31:47
